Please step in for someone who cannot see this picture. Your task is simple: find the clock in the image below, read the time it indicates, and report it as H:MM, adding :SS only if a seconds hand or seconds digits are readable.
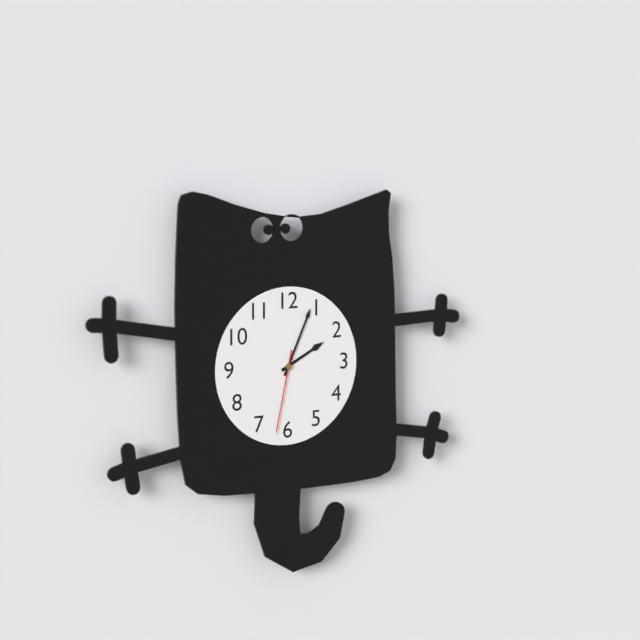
2:04:32
